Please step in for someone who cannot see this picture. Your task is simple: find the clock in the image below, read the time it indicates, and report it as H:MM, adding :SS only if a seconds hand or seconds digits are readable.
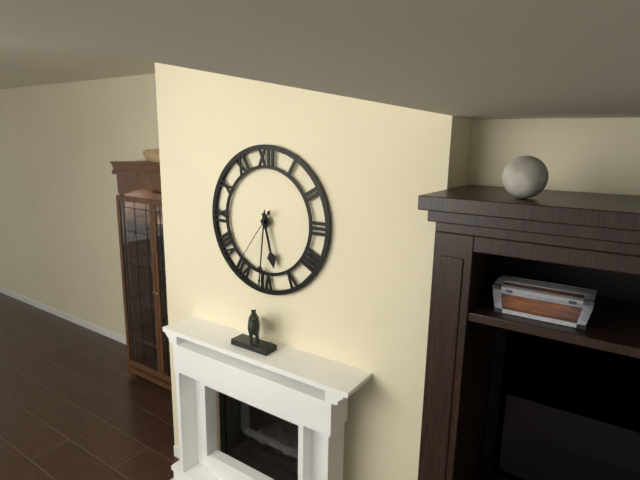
5:31:36
